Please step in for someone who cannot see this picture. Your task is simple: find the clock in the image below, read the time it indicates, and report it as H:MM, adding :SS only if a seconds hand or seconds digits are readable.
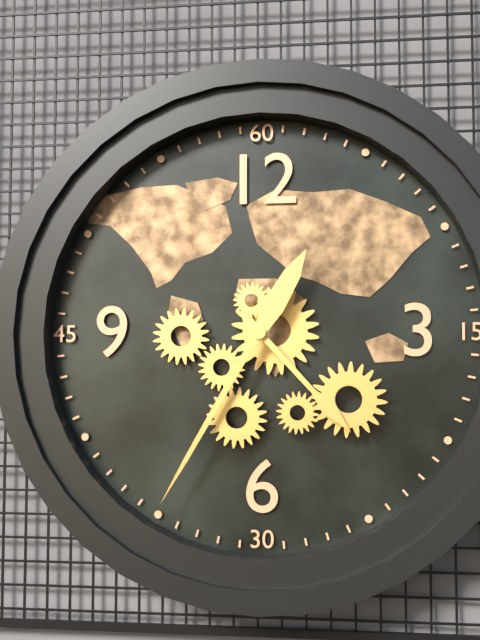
4:35
